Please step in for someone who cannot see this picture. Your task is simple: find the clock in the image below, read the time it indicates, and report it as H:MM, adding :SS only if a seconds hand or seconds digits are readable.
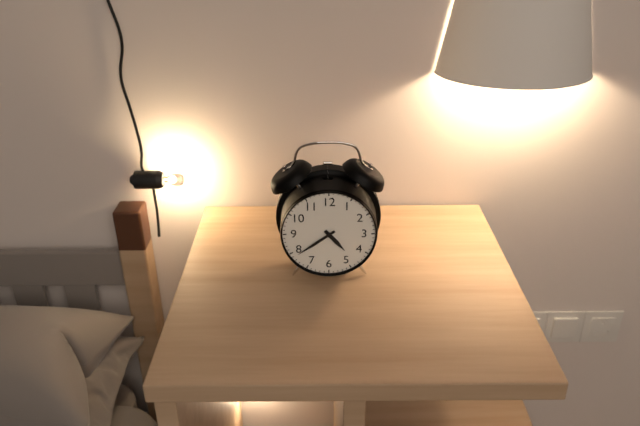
4:39
